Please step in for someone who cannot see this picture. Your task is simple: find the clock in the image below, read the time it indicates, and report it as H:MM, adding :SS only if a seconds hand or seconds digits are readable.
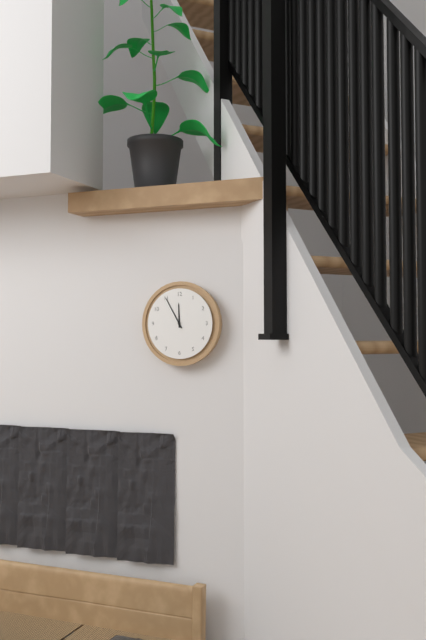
11:55
